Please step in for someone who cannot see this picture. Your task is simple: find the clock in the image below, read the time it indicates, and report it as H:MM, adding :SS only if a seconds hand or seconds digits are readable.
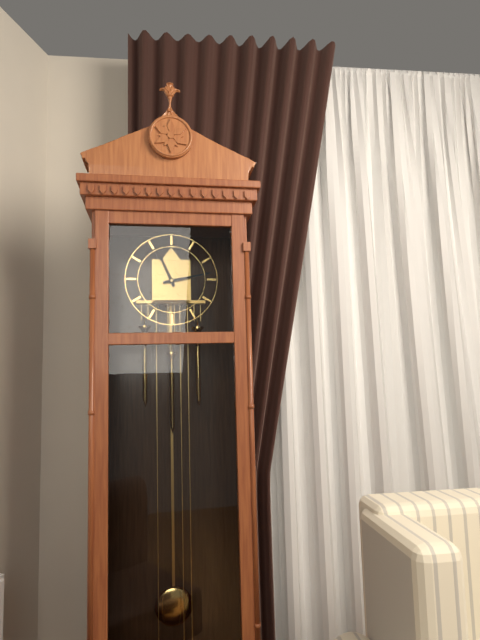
11:13
